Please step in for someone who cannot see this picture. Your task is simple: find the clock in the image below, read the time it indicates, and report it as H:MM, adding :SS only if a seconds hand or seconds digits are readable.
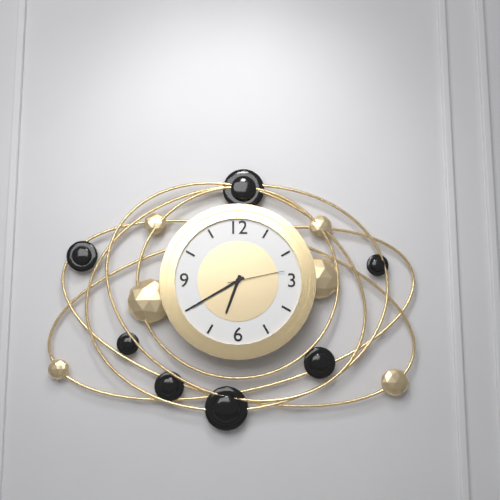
6:40:13
